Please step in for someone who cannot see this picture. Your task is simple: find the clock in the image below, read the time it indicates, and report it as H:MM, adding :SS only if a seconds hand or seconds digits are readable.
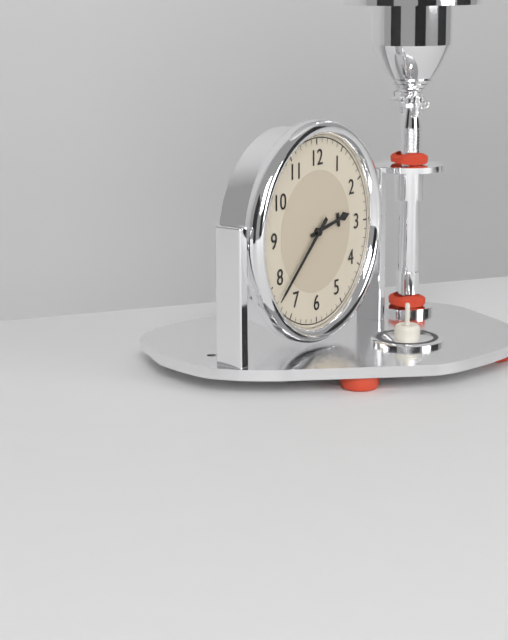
2:38
